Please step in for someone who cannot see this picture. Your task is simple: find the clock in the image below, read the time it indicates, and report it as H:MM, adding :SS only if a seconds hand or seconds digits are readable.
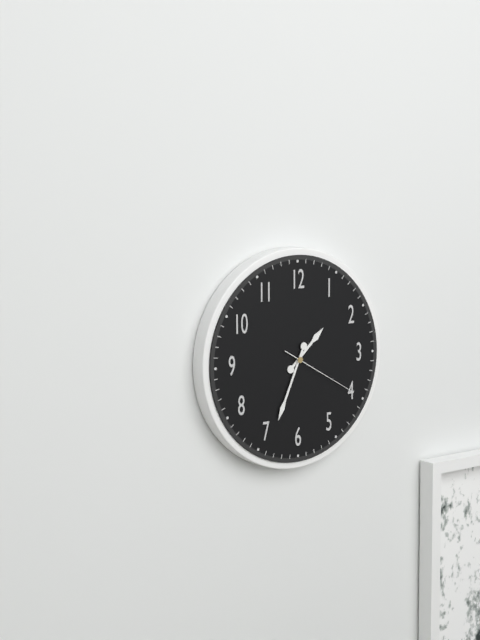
1:34:20
